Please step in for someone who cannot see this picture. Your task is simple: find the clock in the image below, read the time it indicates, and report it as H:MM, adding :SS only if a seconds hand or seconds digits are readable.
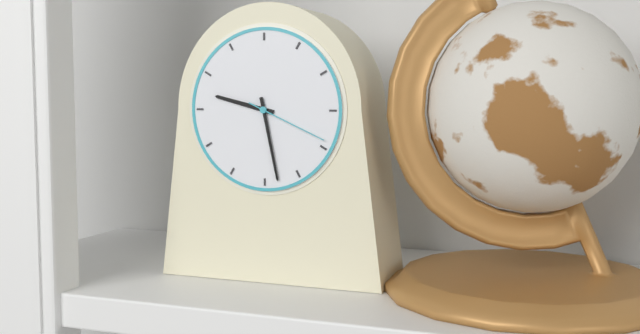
9:28:19
